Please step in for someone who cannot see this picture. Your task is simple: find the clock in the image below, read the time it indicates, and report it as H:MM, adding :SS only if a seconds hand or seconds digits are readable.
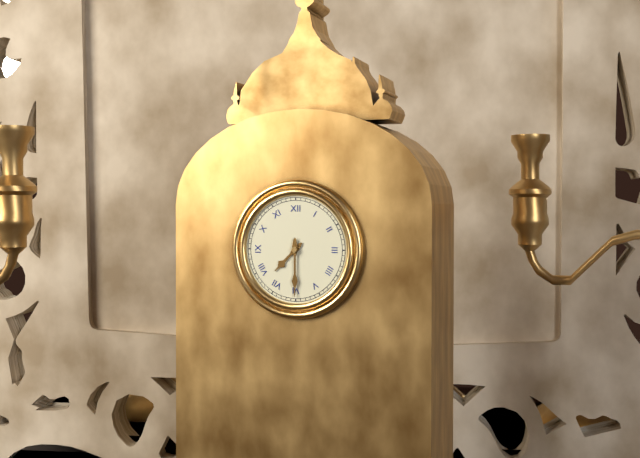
7:30
